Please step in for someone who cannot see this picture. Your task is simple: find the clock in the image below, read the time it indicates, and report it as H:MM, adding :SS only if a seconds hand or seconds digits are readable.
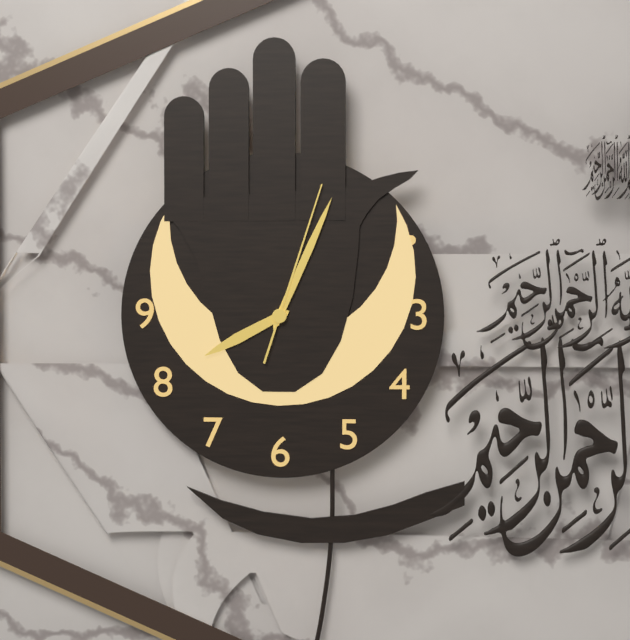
8:04:03
